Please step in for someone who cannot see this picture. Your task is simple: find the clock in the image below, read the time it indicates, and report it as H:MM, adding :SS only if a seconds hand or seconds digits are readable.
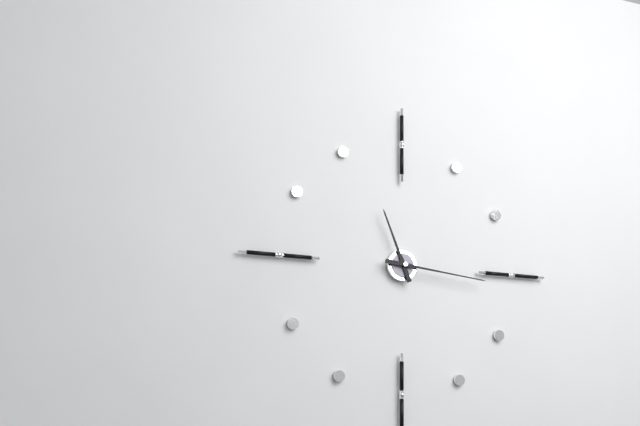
11:16
